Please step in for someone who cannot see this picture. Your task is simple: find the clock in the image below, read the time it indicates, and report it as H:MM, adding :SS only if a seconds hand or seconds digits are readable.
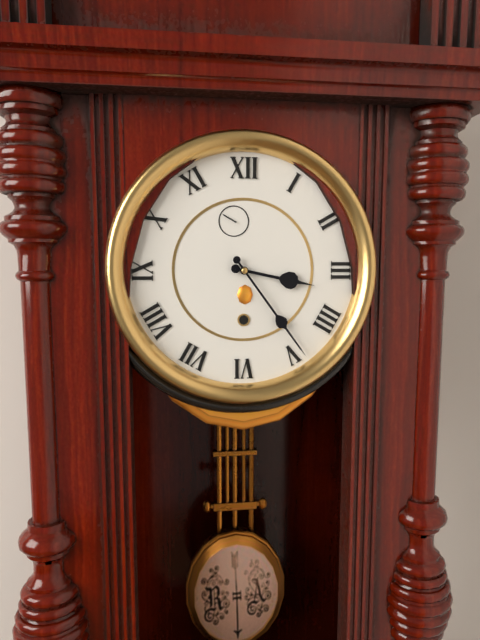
3:24
